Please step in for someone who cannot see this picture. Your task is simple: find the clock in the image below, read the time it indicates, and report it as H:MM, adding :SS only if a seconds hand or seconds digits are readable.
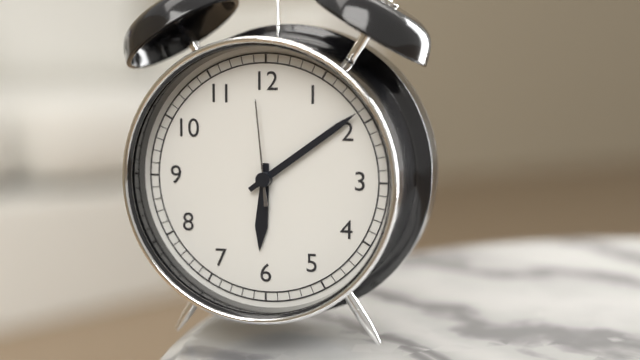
6:09:59
